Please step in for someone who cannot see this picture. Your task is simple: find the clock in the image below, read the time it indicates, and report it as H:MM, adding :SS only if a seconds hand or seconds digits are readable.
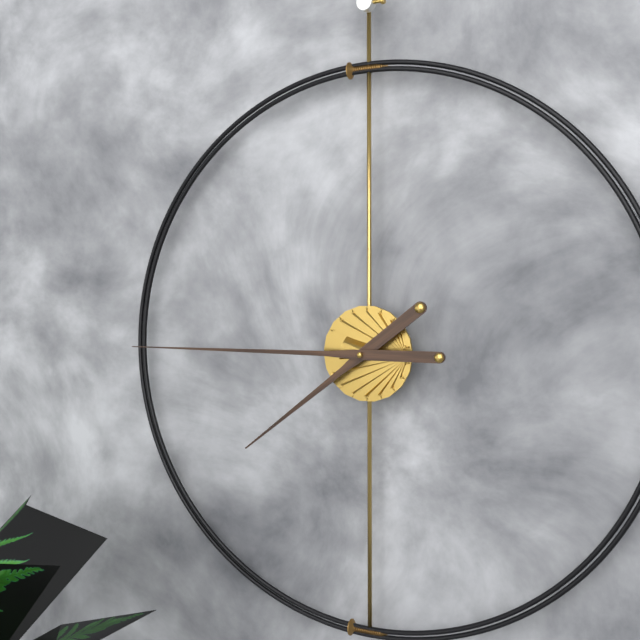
7:45
